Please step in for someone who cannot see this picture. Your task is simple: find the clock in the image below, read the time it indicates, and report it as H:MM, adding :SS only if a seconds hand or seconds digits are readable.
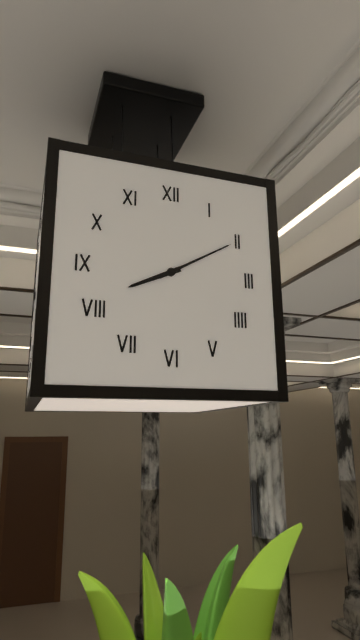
8:10
